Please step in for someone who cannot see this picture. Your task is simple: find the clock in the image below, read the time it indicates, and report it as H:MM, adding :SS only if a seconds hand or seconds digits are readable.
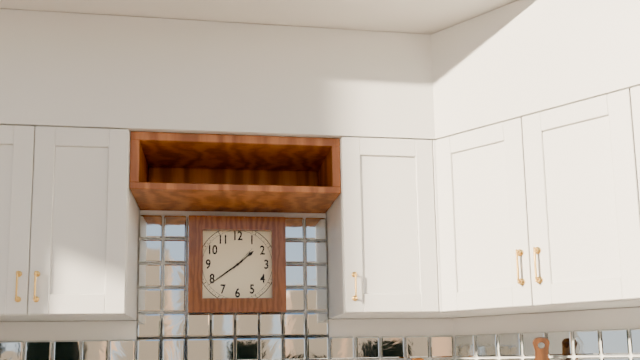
1:39
